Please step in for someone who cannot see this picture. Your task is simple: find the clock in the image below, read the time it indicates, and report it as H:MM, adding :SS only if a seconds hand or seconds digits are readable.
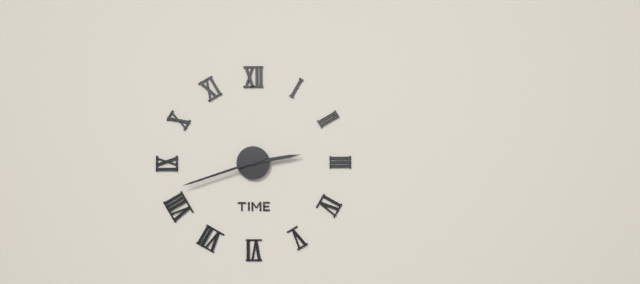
2:42
